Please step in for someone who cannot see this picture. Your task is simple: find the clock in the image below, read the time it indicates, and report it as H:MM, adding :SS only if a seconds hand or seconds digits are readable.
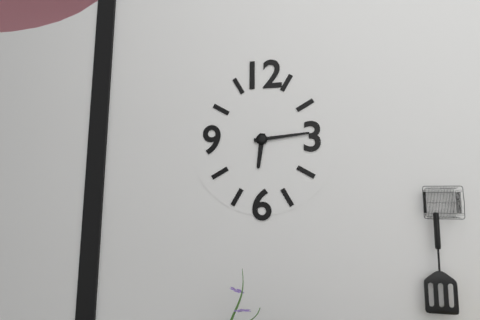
6:14
